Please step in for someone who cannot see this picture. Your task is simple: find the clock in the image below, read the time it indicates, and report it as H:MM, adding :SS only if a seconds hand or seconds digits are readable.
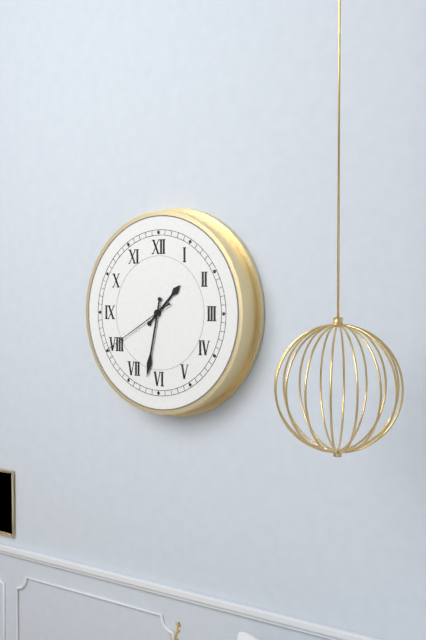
1:32:40
